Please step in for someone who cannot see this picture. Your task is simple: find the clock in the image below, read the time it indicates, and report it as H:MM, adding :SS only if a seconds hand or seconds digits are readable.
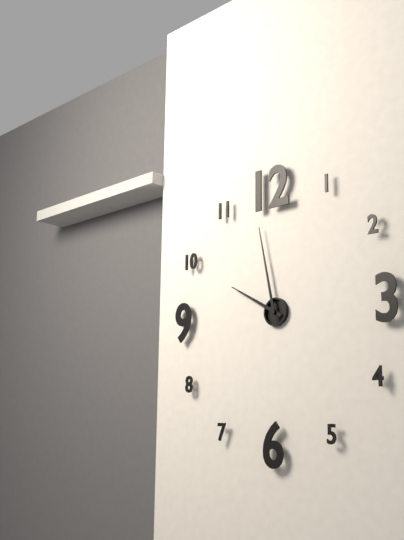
9:58
